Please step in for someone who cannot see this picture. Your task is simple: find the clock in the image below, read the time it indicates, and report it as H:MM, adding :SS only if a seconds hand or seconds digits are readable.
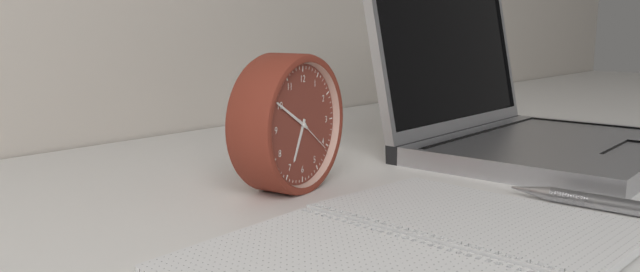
6:50:21
